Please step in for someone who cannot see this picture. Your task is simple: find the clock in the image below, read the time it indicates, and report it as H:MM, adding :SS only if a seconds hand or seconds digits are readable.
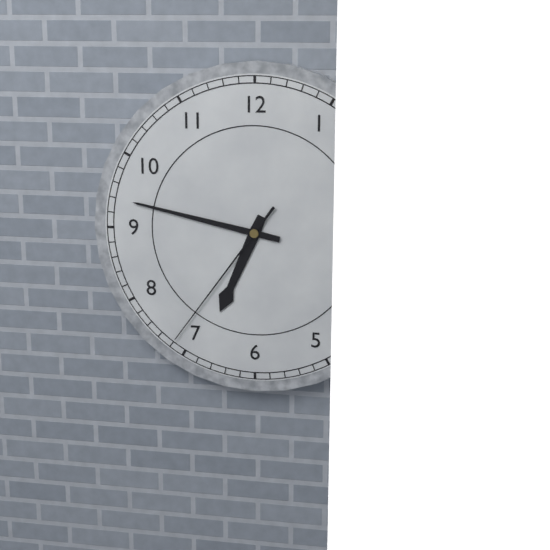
6:47:36
